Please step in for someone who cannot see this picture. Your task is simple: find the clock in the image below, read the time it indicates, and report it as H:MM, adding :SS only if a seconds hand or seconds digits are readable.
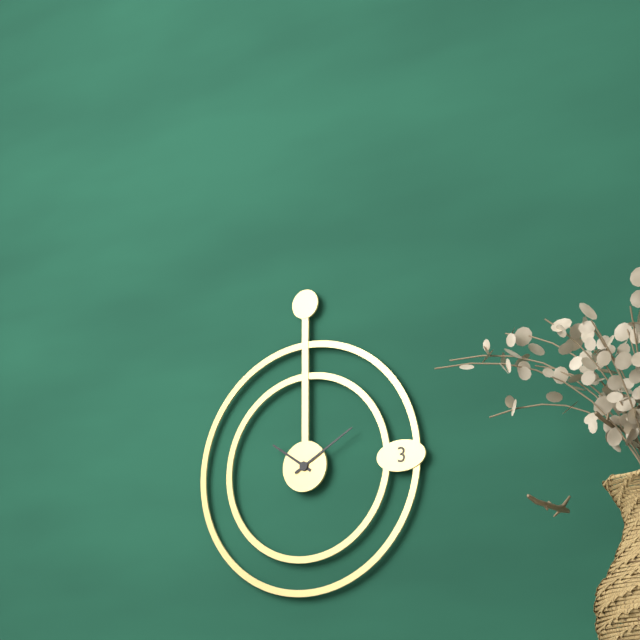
10:10
